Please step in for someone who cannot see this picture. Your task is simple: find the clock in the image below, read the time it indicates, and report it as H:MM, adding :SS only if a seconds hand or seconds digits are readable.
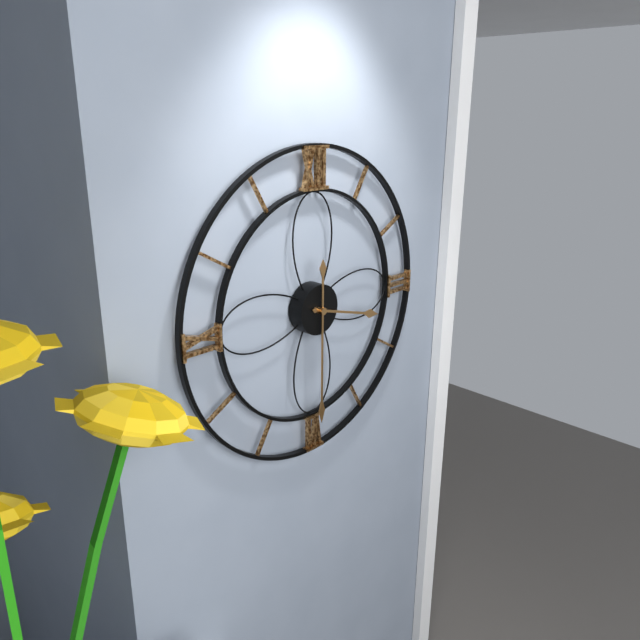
3:30
